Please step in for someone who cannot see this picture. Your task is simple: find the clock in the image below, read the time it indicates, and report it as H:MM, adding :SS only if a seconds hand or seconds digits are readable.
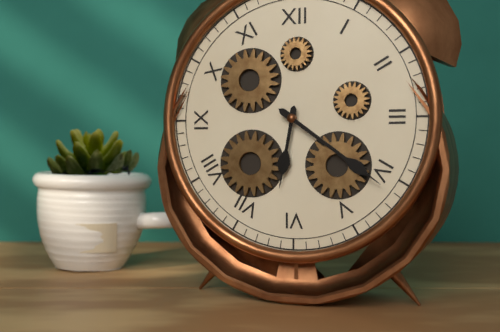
6:21
